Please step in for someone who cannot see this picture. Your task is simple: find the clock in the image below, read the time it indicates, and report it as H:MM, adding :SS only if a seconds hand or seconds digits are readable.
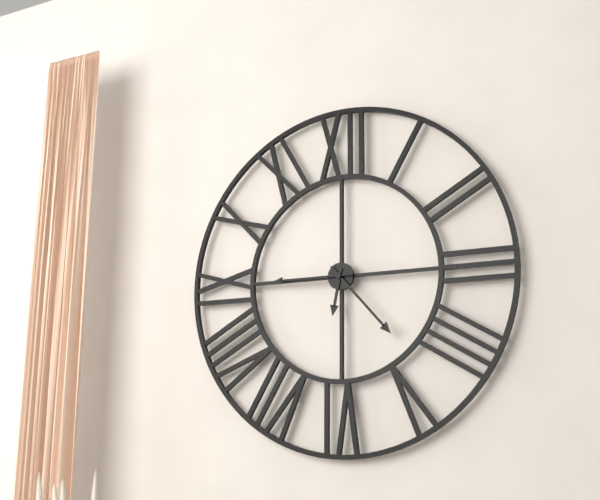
6:23:45
